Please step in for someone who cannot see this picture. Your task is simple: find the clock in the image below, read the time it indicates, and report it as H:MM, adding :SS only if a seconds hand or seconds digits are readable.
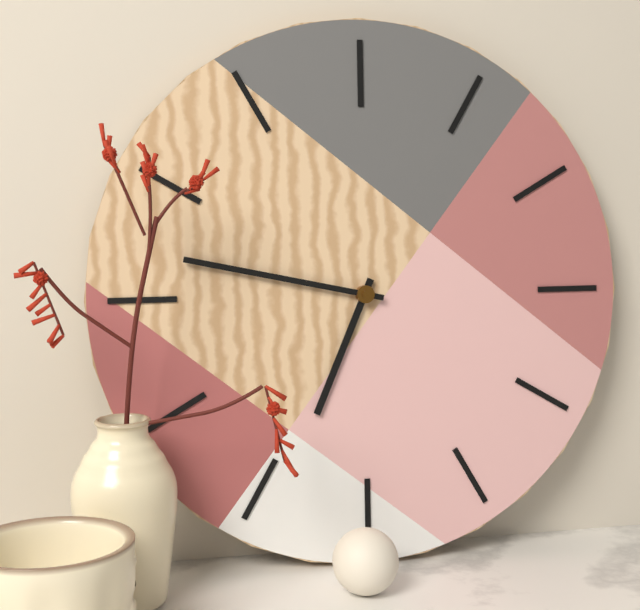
6:47
